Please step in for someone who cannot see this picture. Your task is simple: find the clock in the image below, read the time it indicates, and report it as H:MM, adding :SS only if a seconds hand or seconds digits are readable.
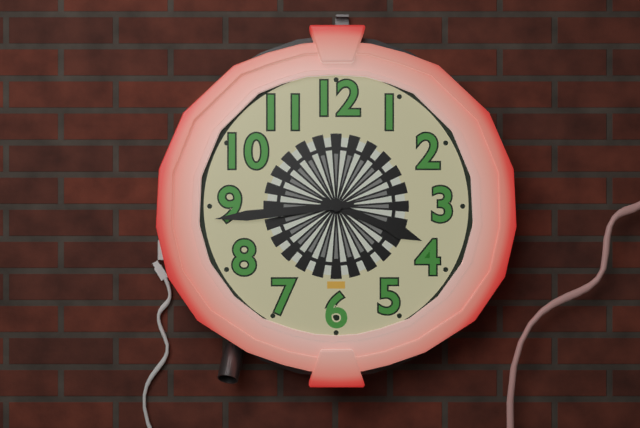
3:44
